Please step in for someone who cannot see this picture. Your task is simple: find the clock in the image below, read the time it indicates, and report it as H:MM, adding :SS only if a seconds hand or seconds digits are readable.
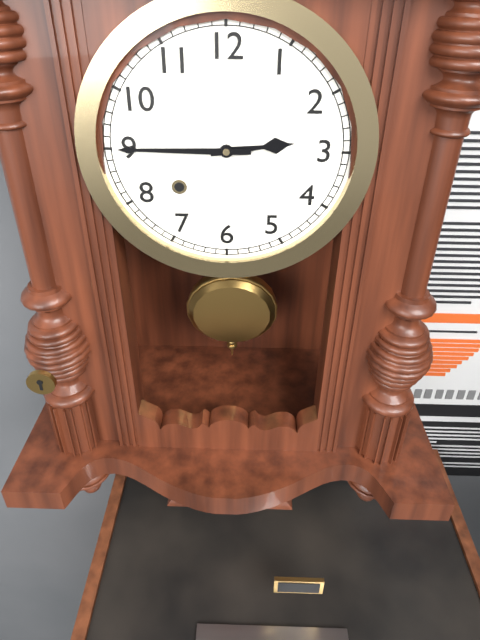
2:45
